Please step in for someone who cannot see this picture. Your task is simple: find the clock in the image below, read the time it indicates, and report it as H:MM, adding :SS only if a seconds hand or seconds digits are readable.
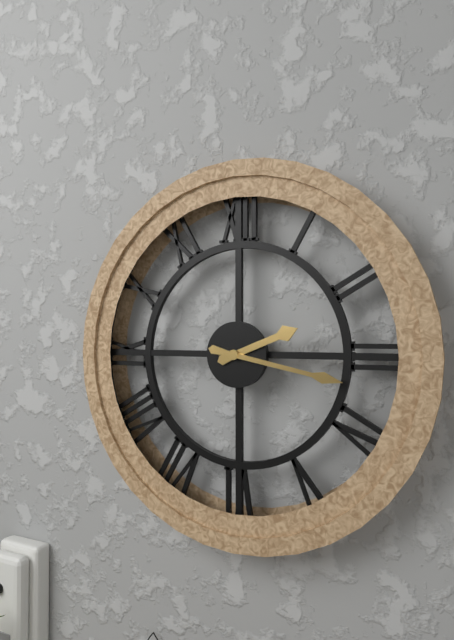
2:17
